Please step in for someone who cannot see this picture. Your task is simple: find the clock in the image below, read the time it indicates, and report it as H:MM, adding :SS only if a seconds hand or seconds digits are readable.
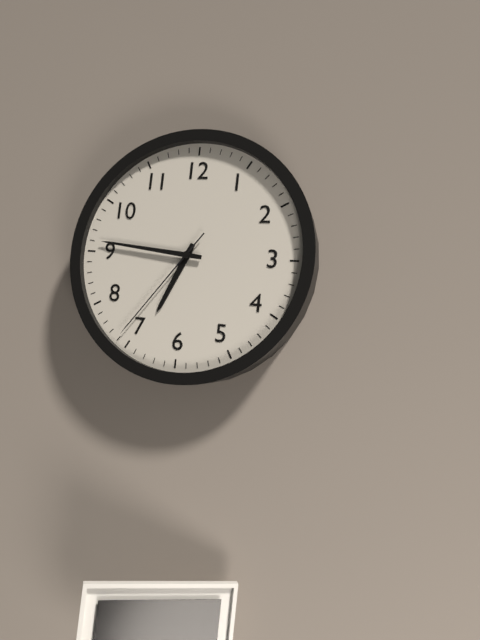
6:46:36
